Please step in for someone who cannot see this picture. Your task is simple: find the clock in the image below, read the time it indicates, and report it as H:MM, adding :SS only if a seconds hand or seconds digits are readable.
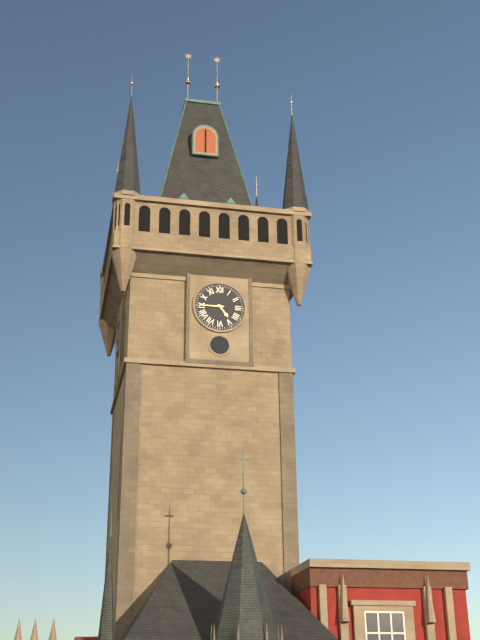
4:45
